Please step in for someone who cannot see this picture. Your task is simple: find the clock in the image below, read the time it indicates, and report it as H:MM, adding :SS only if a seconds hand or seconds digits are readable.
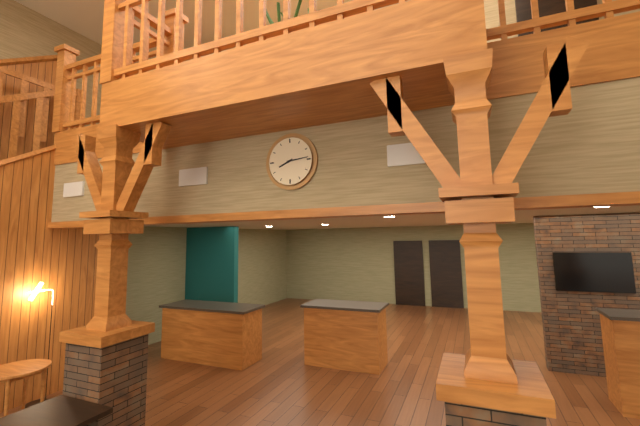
8:14
